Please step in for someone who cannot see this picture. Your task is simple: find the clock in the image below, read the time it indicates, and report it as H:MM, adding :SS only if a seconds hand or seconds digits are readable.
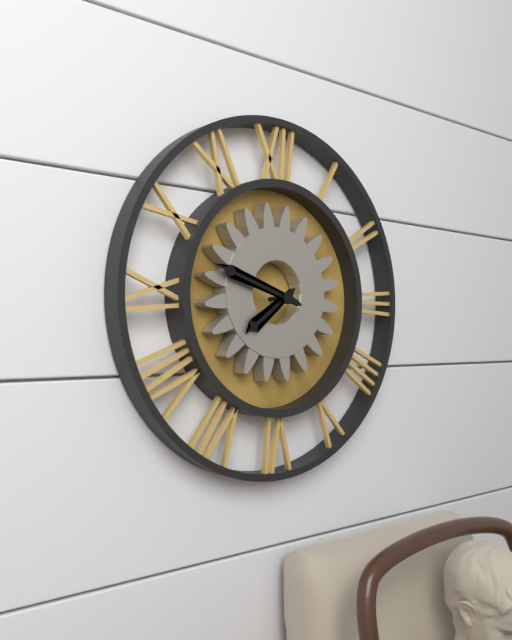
7:48
